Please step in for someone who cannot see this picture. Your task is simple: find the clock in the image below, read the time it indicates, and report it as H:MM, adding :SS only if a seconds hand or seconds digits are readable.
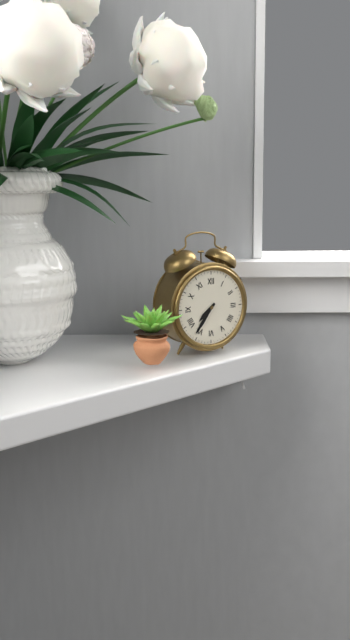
7:36
